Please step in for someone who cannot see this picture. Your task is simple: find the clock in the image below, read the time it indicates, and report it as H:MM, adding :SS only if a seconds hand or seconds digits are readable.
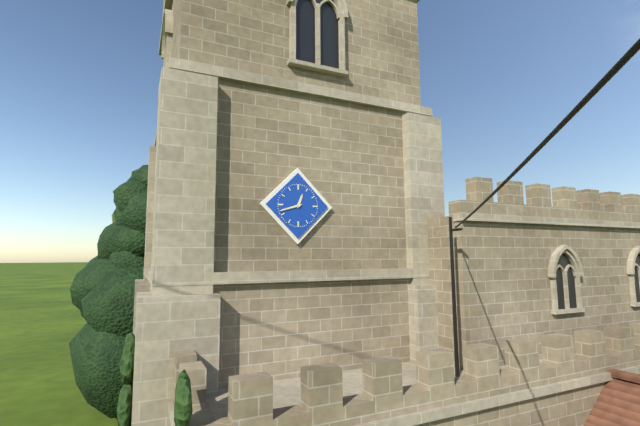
12:42
